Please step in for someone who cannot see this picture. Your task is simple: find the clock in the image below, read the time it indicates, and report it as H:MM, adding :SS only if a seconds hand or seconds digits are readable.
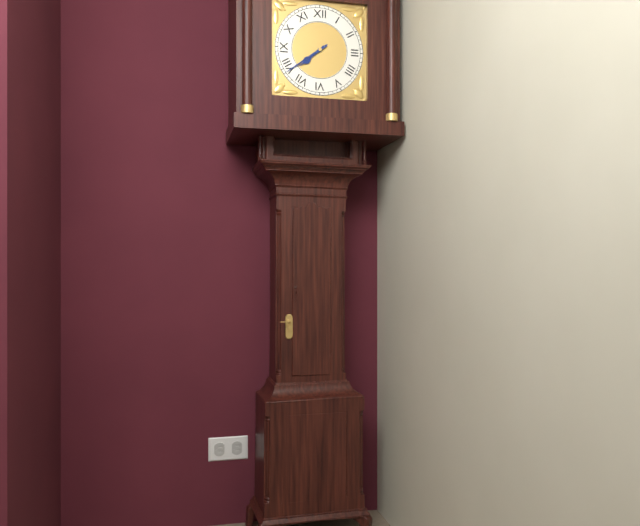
7:39
